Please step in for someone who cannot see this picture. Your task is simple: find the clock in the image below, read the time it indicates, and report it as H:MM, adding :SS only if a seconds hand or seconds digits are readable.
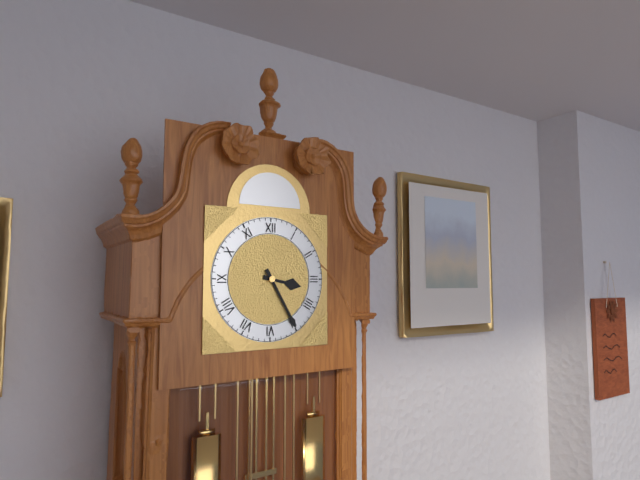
3:25
